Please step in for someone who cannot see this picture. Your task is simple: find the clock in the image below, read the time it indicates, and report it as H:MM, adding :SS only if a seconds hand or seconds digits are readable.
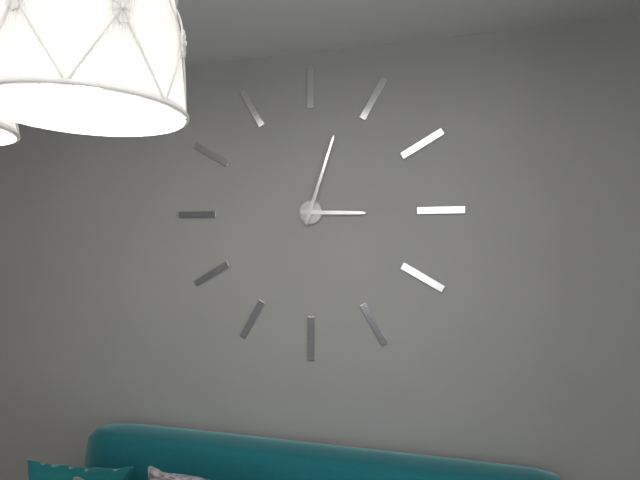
3:03
